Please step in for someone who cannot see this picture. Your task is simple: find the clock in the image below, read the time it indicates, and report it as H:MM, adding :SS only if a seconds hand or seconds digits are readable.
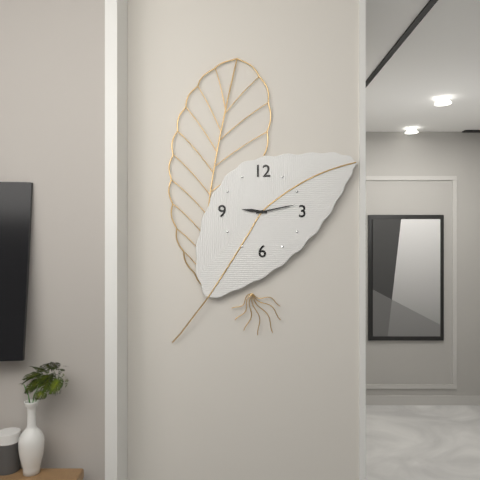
9:13
